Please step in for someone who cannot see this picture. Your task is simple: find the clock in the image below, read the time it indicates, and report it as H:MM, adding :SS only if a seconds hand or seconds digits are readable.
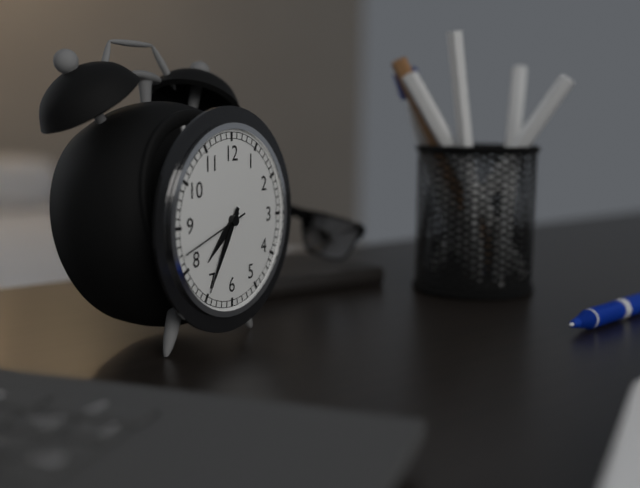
7:35:42
